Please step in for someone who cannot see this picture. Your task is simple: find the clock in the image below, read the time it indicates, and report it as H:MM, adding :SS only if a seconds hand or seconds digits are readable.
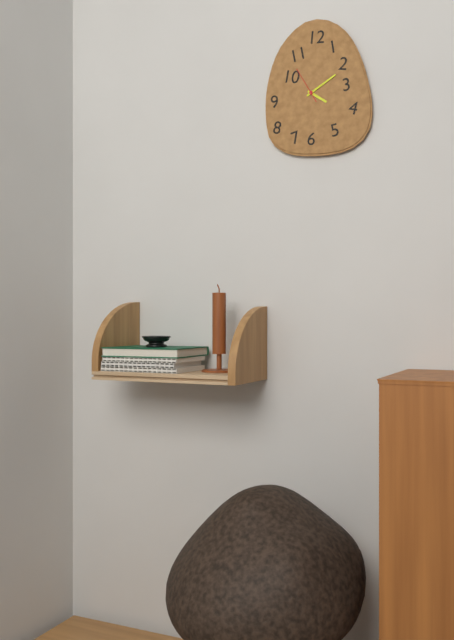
4:10
